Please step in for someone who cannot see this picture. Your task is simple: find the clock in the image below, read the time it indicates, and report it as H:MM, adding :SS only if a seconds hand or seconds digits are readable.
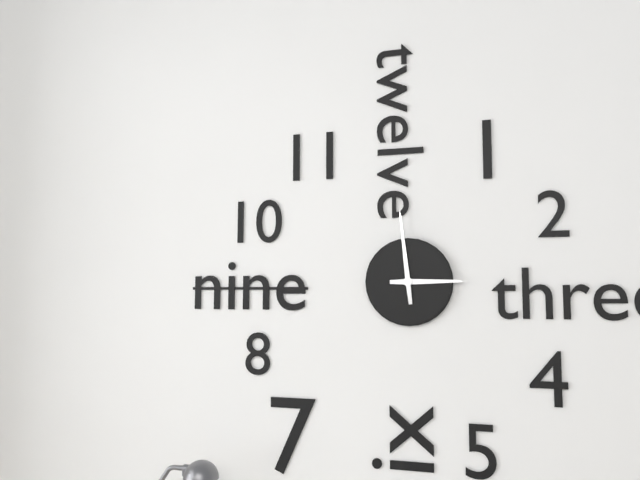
2:59
